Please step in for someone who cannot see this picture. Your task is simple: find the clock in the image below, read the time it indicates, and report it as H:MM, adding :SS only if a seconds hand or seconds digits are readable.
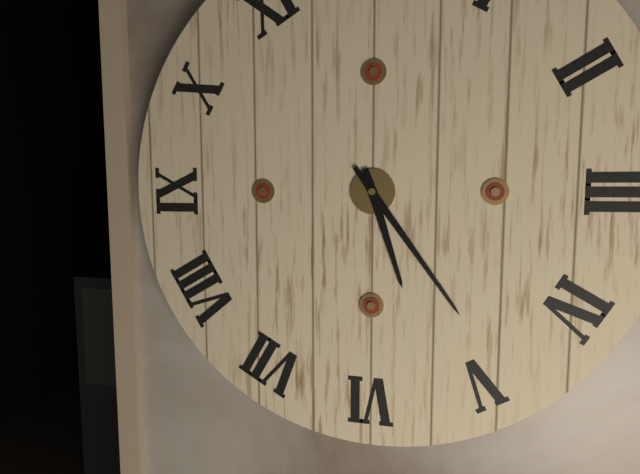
5:24
